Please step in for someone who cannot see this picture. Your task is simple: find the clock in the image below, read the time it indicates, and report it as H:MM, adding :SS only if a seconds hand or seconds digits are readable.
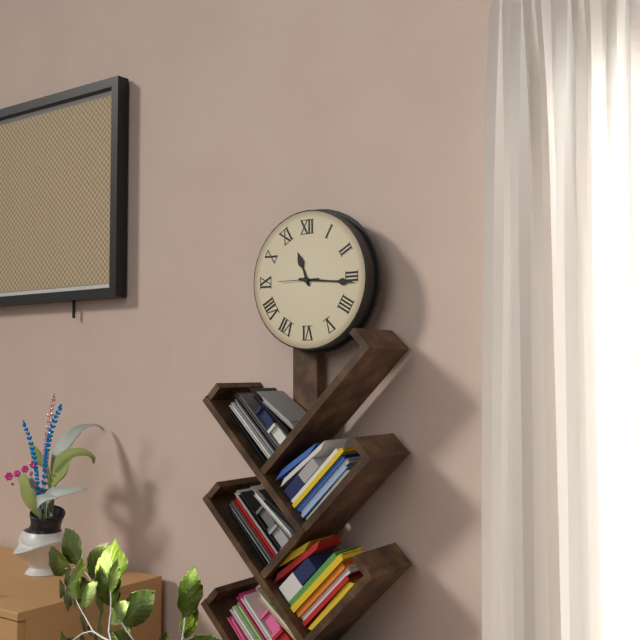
11:16
